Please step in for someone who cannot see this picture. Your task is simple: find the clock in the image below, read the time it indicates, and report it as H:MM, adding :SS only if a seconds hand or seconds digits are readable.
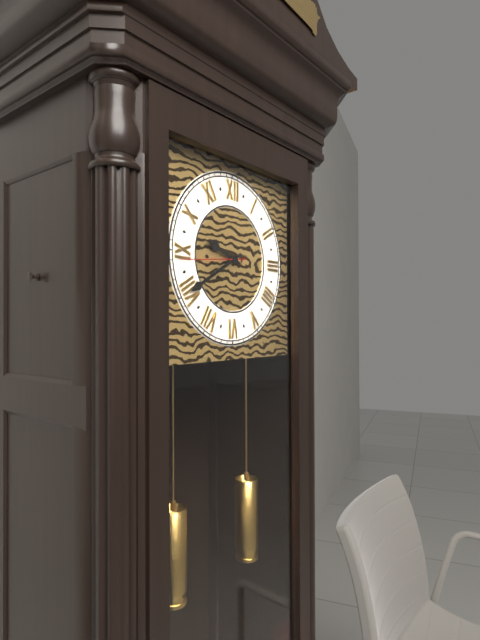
9:40:44
